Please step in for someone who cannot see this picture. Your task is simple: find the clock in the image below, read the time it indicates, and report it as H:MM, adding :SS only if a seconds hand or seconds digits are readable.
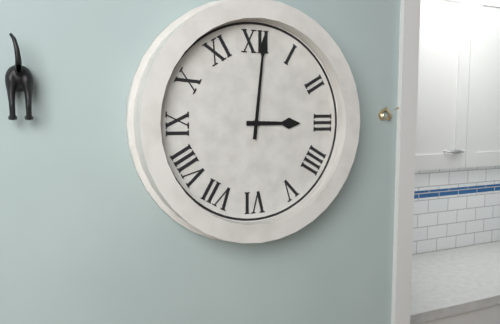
3:01
